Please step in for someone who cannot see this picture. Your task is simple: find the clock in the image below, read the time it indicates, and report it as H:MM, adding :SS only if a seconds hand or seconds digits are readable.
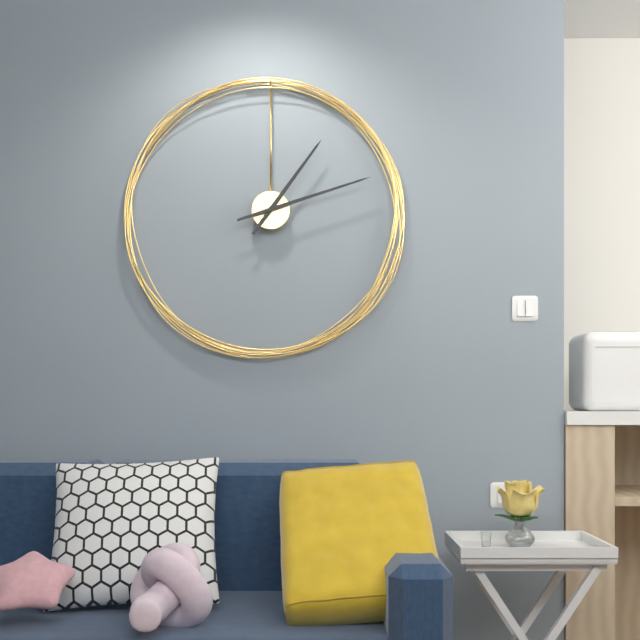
1:12
